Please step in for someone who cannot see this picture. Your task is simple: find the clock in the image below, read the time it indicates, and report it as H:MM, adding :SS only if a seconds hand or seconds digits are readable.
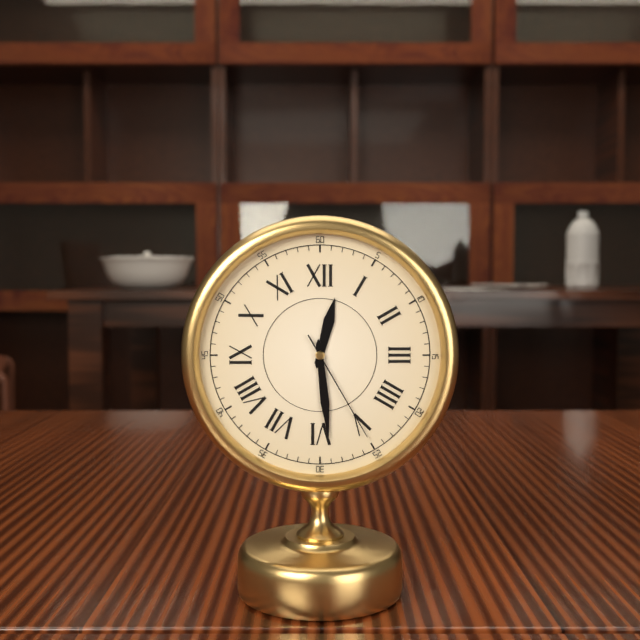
12:29:25
